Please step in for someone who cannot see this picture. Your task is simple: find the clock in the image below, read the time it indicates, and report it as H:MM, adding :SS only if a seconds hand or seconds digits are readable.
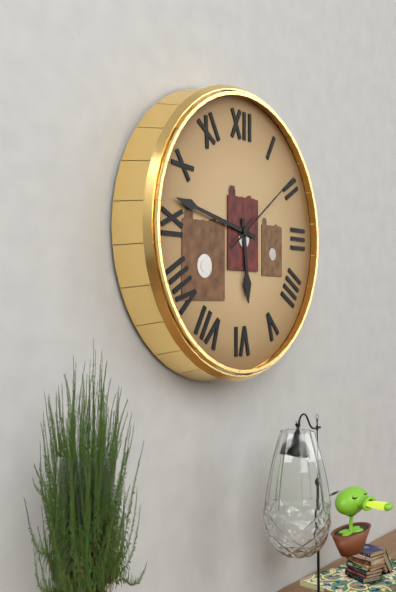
5:47:09
